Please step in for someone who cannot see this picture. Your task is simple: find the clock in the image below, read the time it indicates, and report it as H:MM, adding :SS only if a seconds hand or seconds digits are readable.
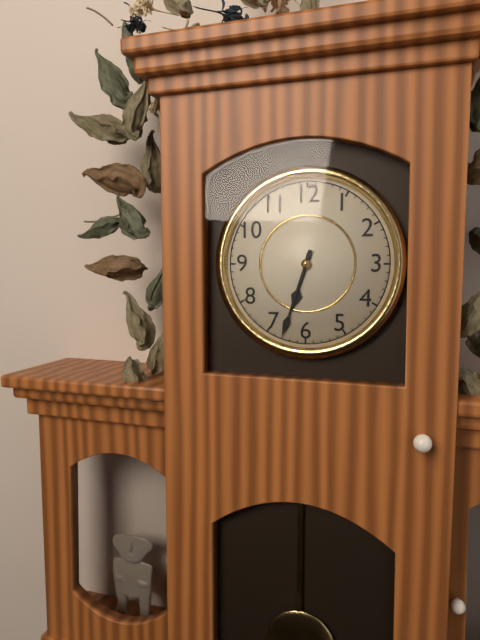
6:33
